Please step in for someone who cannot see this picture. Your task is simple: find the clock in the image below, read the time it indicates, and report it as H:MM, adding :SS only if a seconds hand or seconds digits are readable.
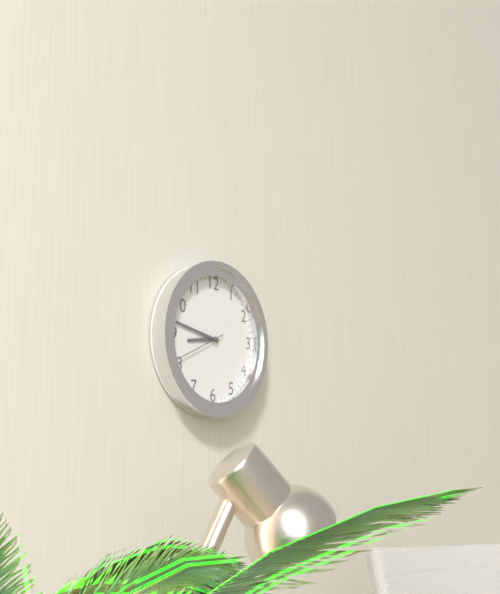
8:47:41
